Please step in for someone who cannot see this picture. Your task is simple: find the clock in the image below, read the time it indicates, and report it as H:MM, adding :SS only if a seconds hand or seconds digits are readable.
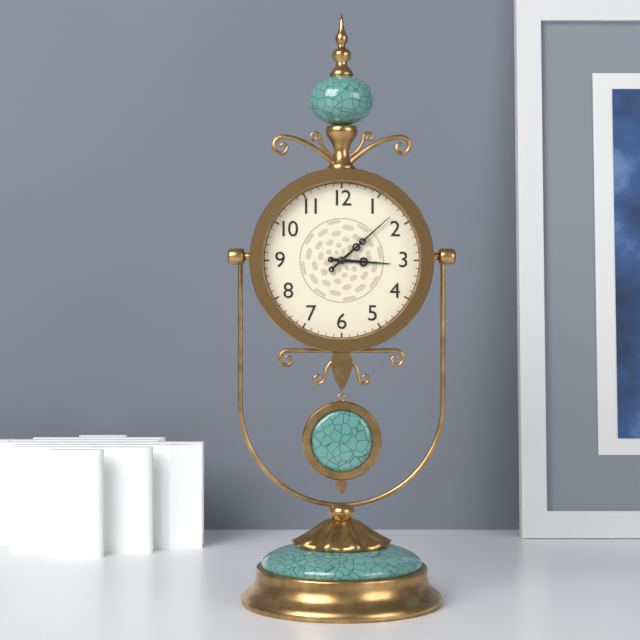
3:08
